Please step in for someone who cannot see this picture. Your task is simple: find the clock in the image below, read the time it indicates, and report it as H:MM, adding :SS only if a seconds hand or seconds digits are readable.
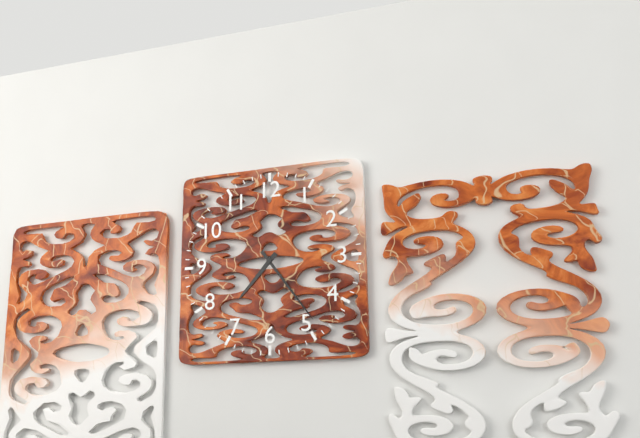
7:24
